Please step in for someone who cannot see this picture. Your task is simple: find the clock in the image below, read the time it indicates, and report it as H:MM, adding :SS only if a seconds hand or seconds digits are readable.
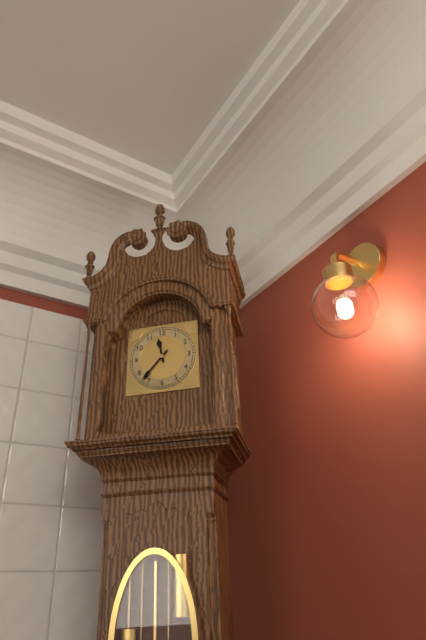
11:37
